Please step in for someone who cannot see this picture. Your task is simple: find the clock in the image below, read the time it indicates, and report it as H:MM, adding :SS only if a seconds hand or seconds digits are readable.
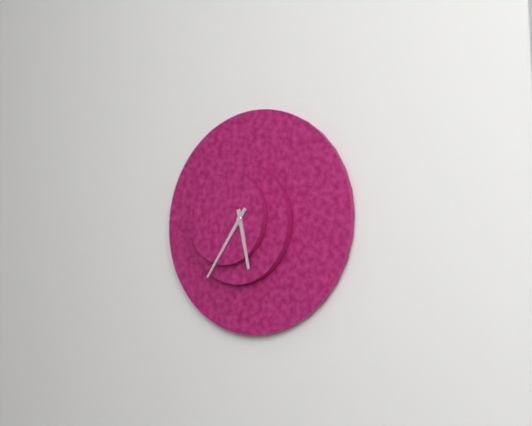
5:36
